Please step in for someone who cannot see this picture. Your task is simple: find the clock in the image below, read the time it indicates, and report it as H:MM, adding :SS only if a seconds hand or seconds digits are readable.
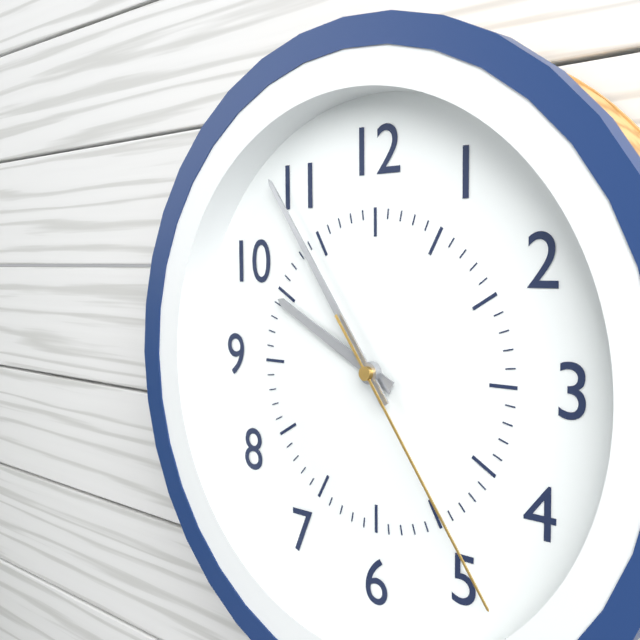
9:54:24
